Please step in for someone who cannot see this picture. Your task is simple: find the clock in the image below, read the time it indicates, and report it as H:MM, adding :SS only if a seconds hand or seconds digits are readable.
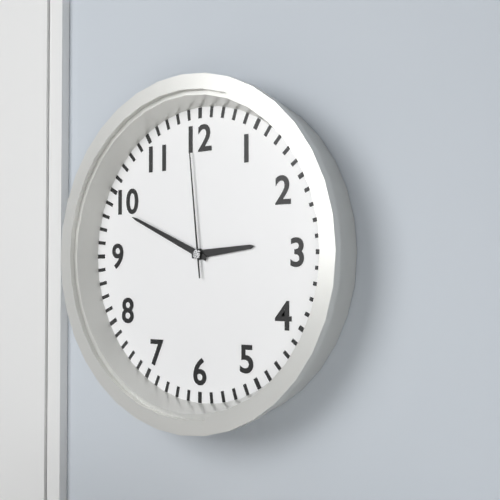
2:49:59
